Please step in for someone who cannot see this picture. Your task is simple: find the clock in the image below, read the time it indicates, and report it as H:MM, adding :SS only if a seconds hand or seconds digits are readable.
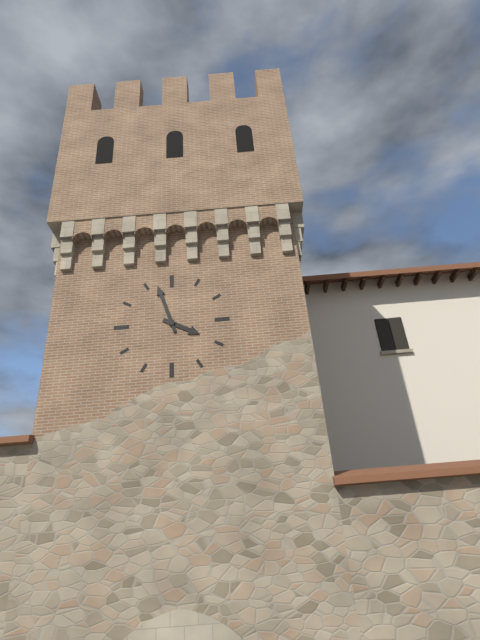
3:57
